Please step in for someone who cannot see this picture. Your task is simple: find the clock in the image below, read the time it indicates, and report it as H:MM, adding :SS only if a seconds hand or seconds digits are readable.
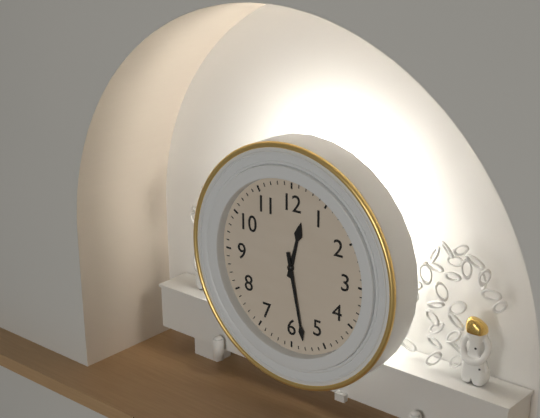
12:28
